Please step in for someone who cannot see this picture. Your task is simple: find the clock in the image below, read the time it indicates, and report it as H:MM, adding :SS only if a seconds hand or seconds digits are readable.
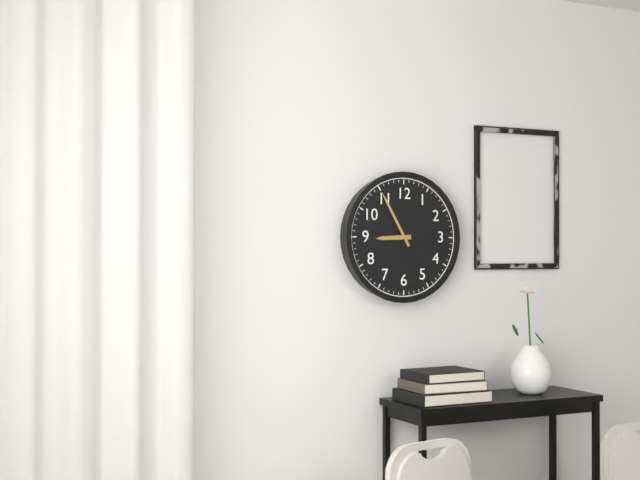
8:55
